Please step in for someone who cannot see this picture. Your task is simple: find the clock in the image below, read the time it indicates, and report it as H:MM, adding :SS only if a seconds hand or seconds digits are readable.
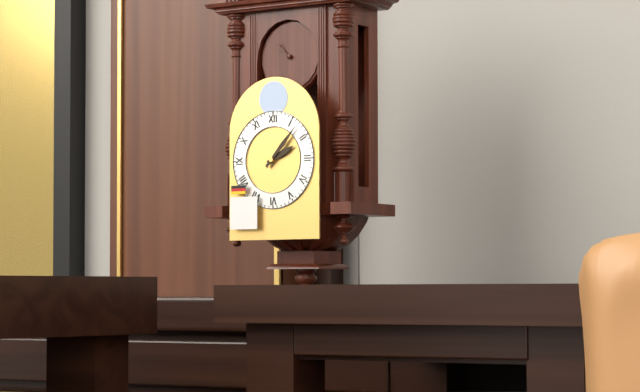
2:07
